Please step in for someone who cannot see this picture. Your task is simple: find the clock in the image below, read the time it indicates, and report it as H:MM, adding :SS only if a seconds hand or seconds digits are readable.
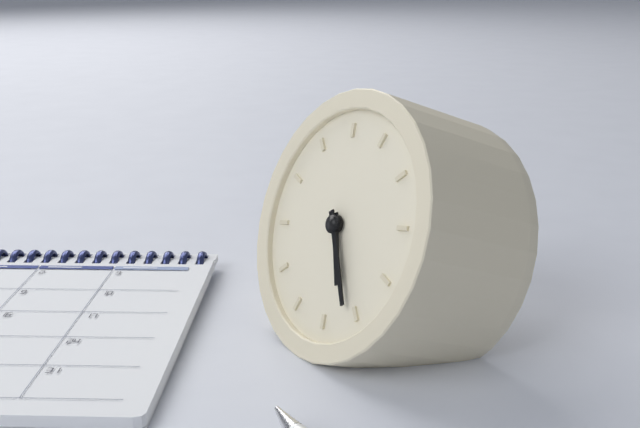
5:26
